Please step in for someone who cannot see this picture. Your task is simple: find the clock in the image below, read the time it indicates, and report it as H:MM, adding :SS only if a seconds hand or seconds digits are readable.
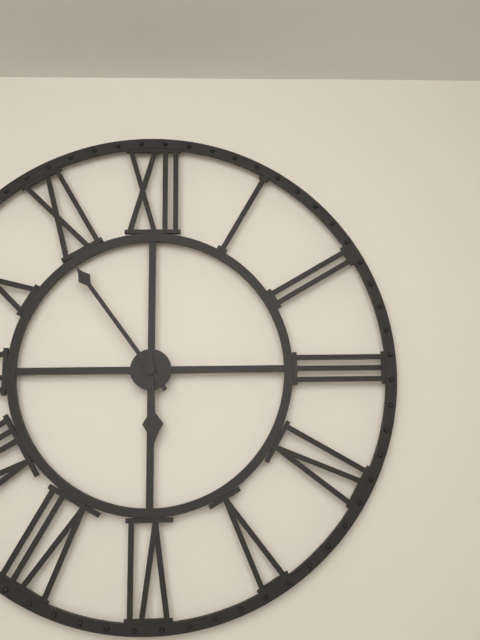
5:54
